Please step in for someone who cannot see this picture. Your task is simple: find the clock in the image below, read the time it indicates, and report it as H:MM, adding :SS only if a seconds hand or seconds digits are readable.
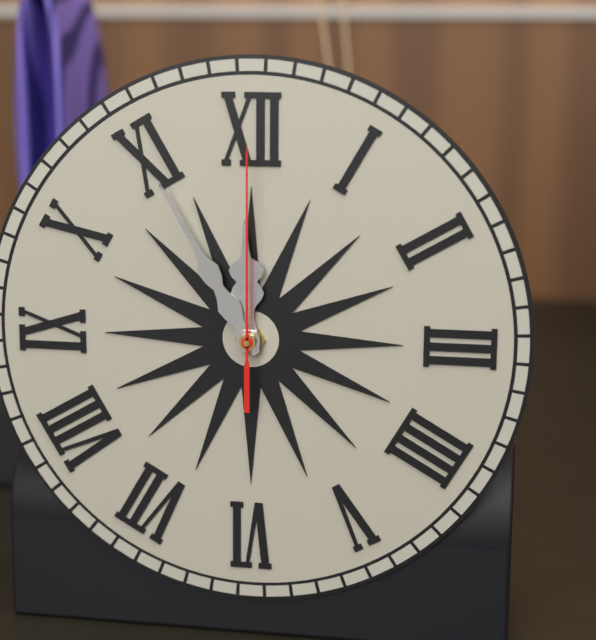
11:55:00
